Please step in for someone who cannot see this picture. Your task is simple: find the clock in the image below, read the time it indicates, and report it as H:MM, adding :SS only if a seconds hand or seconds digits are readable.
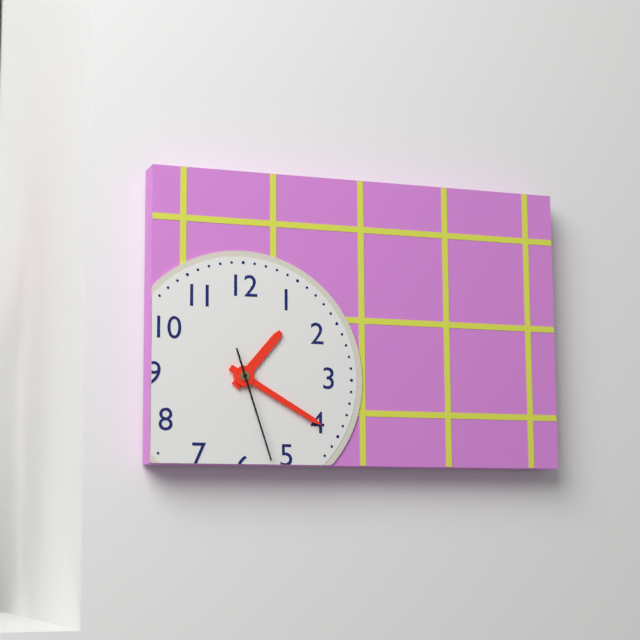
1:20:27
